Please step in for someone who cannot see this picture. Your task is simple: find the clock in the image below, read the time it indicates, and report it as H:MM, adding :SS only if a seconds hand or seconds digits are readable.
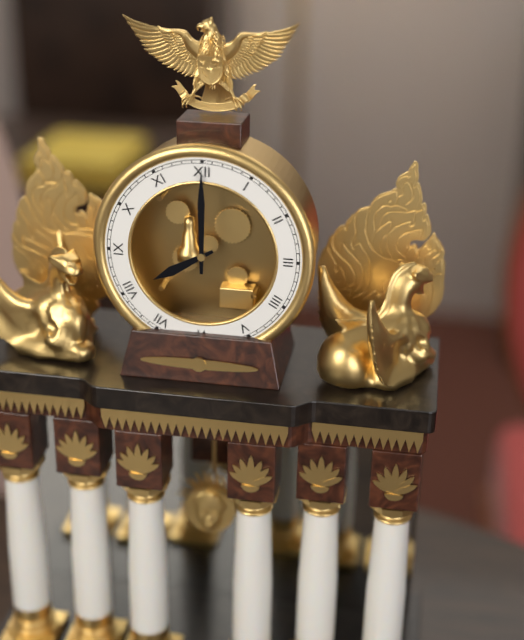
8:00
